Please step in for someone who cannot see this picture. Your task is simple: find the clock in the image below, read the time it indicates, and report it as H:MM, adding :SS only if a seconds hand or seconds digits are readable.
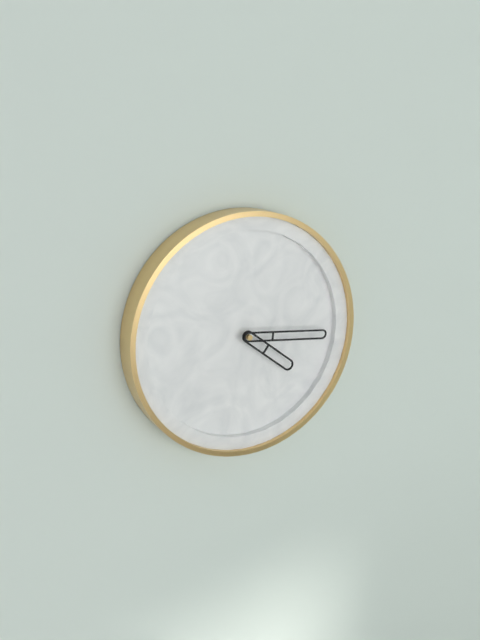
4:16
